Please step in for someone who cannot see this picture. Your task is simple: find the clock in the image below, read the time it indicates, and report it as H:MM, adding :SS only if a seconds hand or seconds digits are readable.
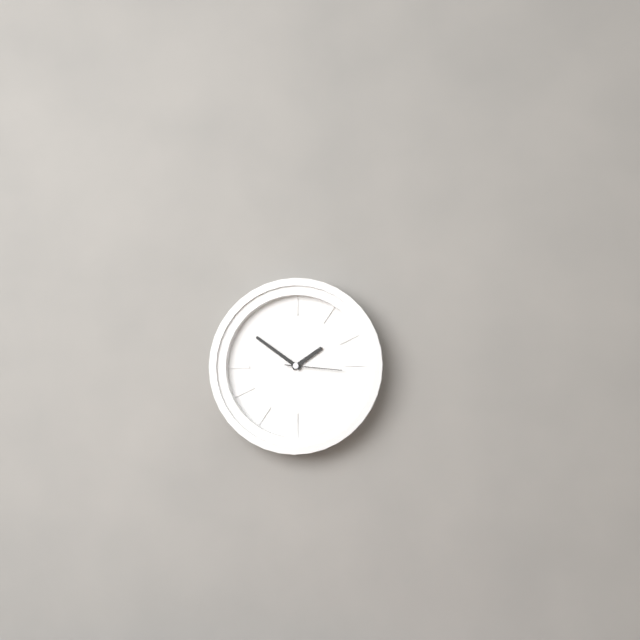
1:51:16
